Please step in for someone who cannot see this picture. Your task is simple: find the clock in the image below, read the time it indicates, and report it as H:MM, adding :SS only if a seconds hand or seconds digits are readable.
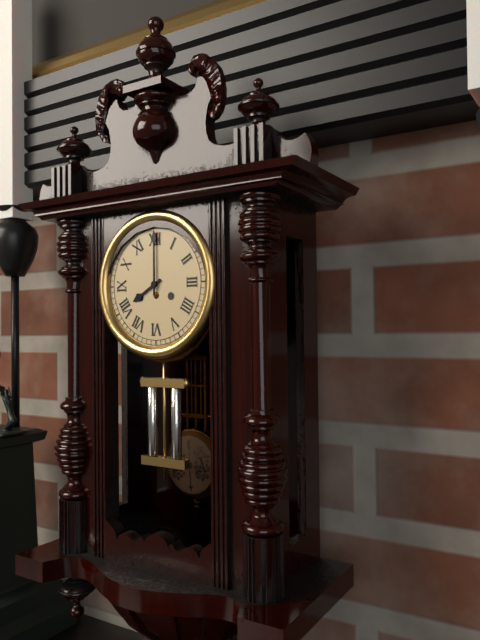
8:00
